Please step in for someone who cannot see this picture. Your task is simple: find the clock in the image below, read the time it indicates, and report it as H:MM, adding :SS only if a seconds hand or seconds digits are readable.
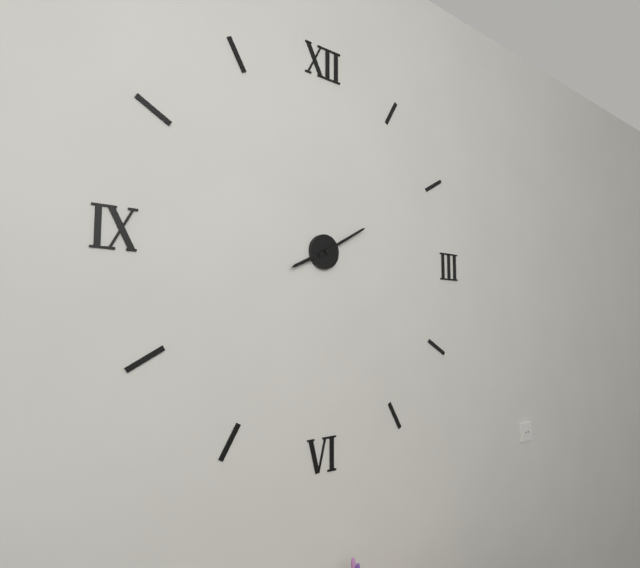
8:10
